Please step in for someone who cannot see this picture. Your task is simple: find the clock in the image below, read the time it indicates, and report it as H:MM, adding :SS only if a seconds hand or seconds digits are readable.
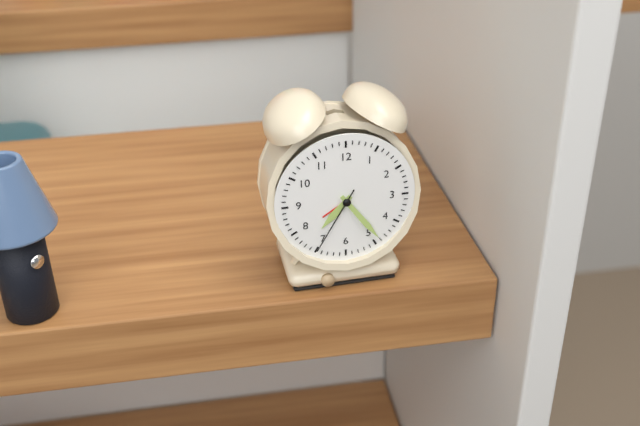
7:24:35
